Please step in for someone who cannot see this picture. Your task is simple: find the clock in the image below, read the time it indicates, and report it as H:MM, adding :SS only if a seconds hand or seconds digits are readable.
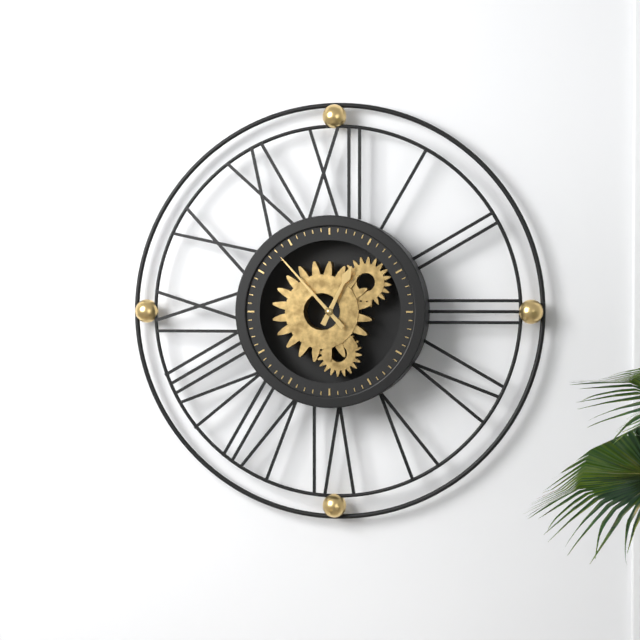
12:53
